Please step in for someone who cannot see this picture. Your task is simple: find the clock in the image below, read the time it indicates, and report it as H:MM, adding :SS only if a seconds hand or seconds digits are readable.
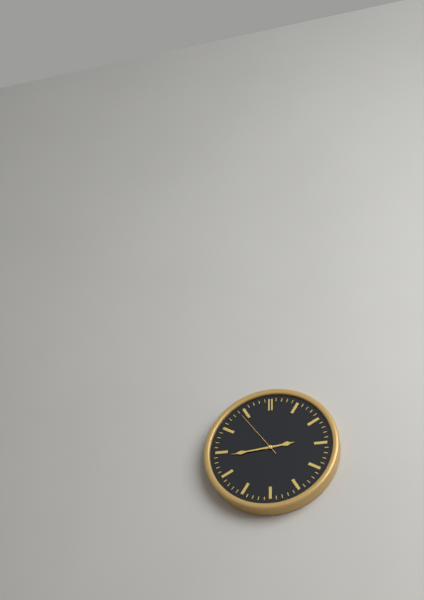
2:44:54
